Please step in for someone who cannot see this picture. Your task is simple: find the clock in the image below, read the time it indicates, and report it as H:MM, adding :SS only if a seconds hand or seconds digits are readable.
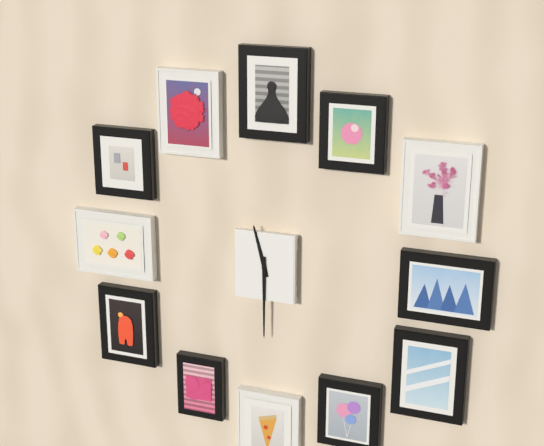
11:30
